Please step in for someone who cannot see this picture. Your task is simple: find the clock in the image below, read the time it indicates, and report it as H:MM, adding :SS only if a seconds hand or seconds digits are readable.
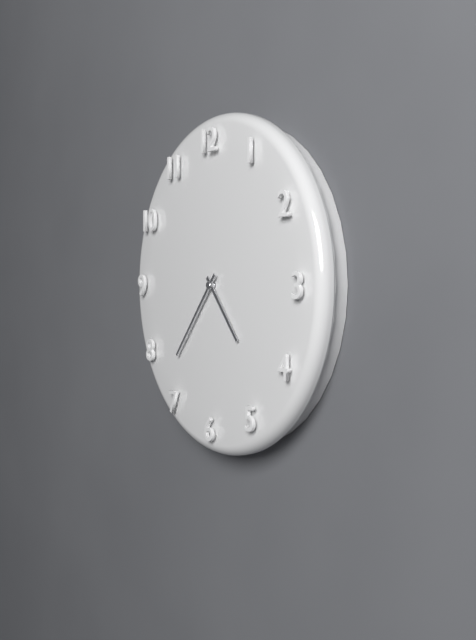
4:37
